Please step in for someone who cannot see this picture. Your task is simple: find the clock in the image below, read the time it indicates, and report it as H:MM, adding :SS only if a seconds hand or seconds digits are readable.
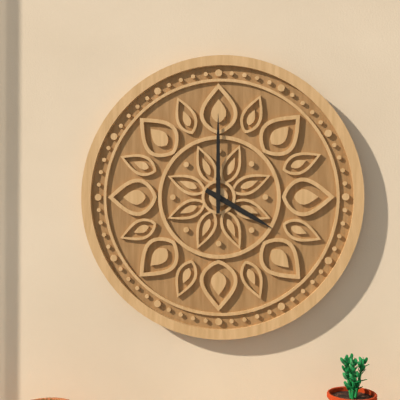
4:00
